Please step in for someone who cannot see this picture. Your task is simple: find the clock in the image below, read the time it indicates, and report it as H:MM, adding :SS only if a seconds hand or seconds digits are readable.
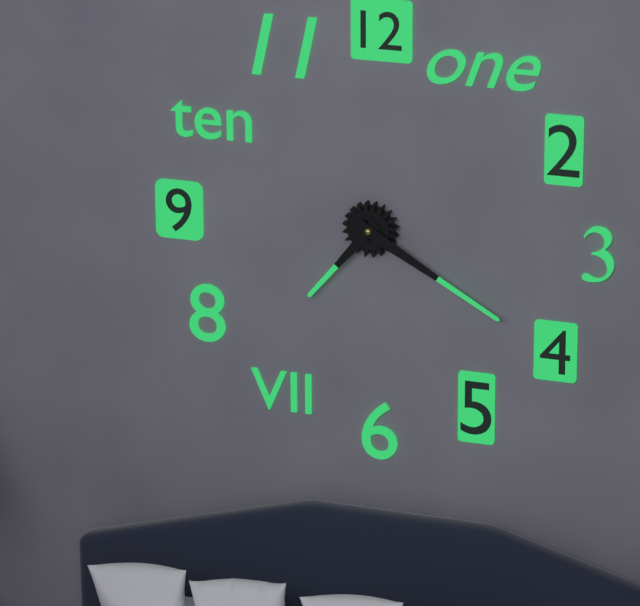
7:20
